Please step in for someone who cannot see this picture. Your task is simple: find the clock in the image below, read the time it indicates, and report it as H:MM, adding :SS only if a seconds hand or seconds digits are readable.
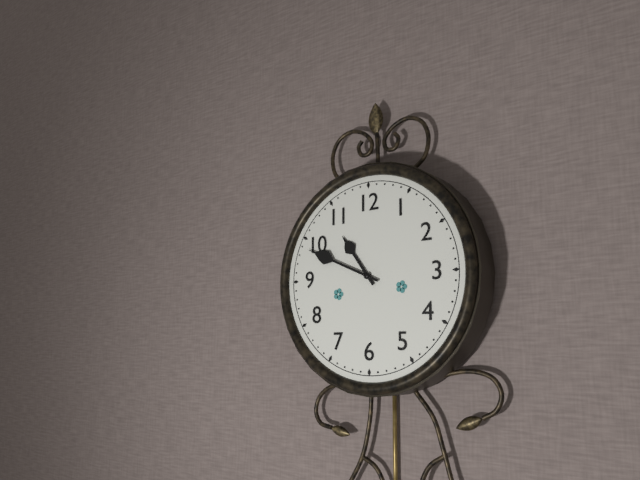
10:49
